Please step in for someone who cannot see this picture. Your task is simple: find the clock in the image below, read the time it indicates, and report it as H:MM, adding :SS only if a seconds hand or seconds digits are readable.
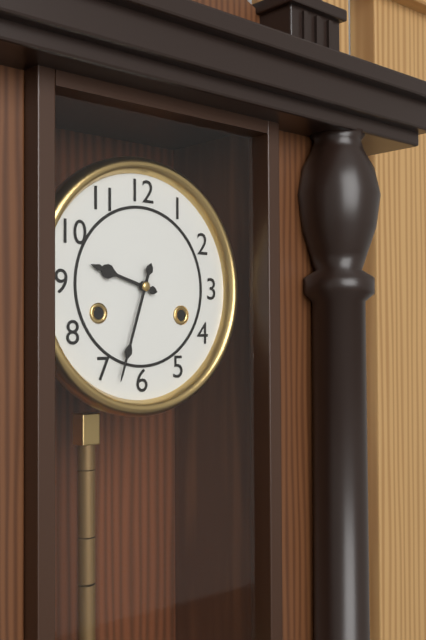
9:33
